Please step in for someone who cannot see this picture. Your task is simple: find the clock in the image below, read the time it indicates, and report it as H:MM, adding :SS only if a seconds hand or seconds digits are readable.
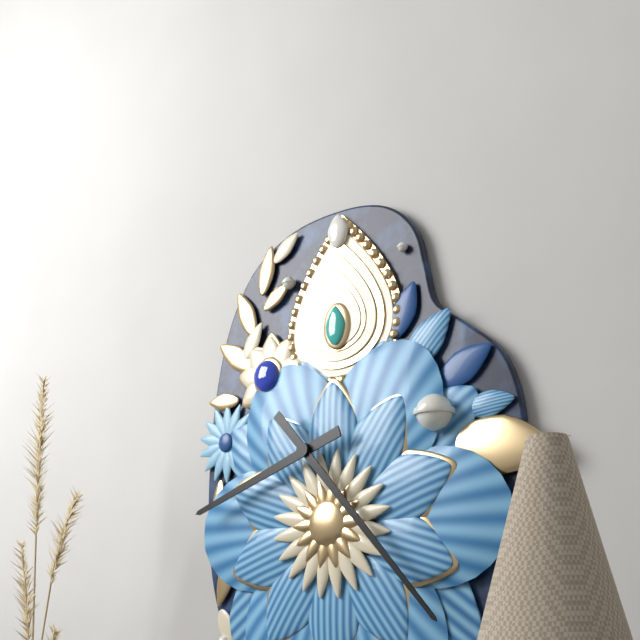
8:23
